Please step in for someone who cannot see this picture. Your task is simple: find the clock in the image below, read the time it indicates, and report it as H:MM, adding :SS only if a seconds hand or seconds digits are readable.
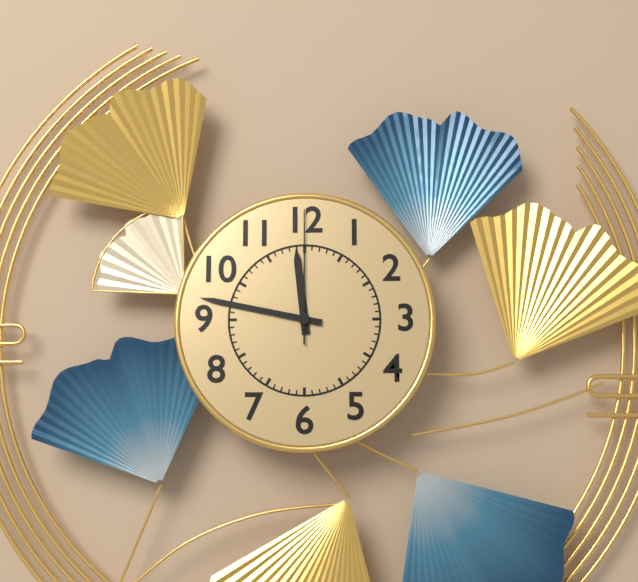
11:47:00
